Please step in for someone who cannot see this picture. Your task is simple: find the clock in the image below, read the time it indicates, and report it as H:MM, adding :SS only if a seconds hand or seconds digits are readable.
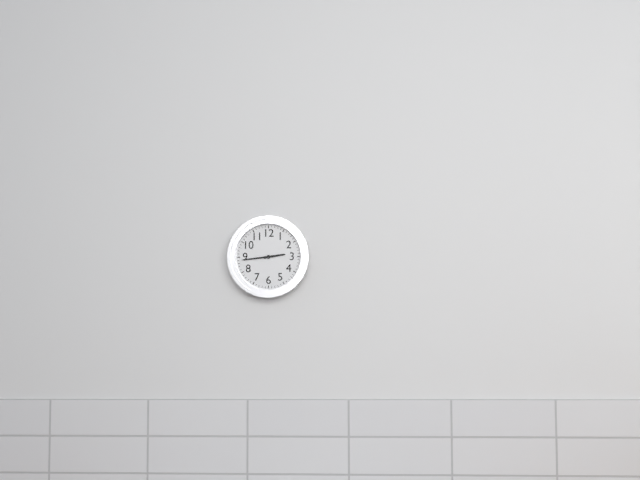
2:44
